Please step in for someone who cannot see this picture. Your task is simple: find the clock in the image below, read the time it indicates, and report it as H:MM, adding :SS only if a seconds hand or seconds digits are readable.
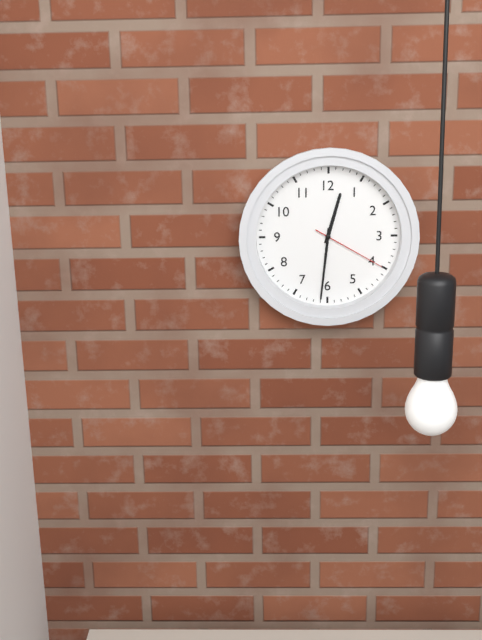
12:31:20
